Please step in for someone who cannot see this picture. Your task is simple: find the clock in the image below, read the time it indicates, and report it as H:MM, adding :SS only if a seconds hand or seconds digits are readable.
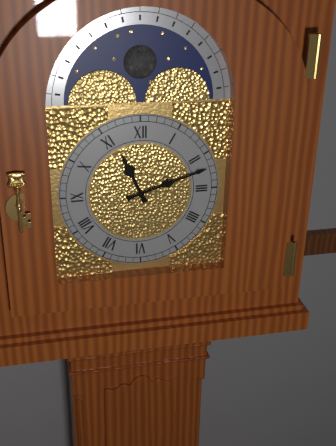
11:12
